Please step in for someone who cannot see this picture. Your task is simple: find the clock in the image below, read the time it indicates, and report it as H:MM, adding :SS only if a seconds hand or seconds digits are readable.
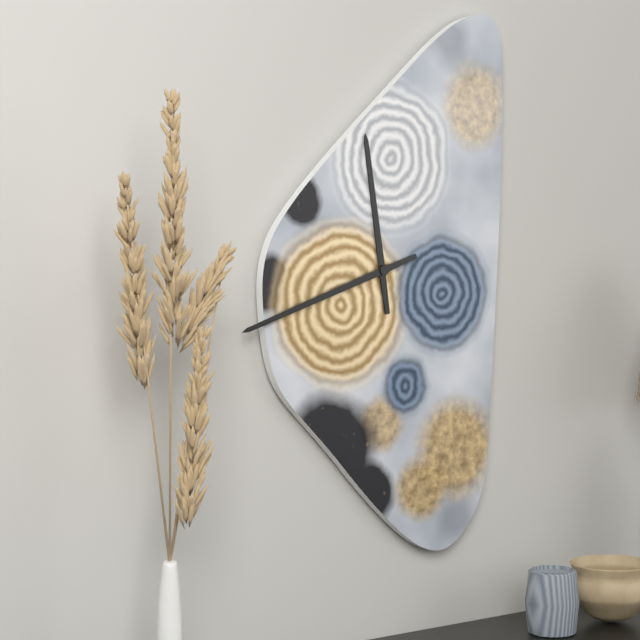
11:42
